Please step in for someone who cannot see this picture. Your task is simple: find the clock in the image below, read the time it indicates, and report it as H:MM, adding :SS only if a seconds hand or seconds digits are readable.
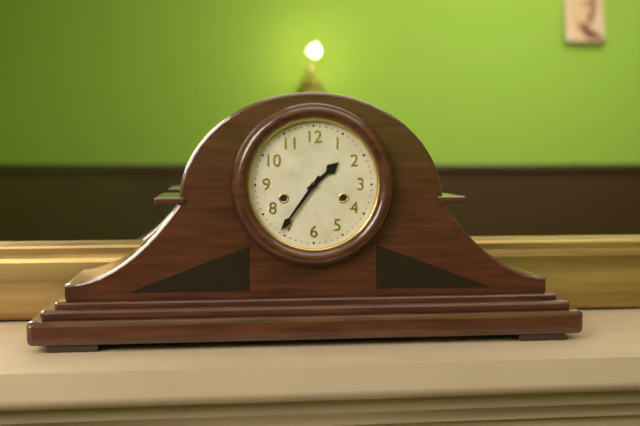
1:36
